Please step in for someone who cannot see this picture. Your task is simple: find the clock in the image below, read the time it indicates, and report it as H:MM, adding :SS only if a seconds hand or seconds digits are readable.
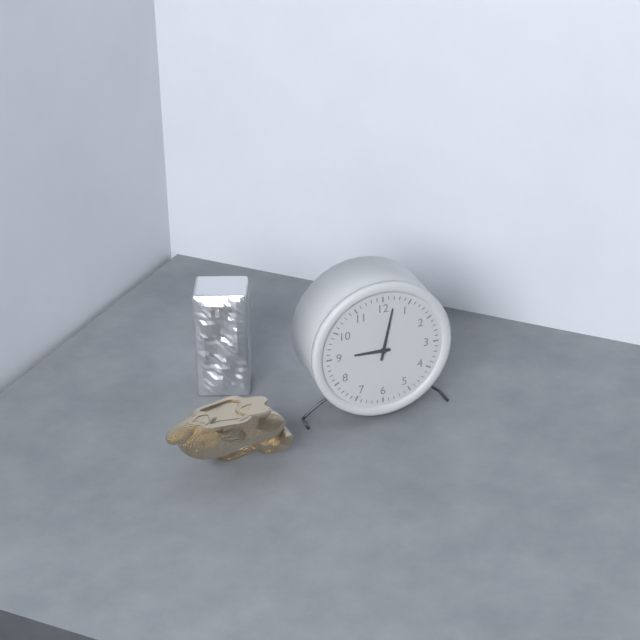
9:02
